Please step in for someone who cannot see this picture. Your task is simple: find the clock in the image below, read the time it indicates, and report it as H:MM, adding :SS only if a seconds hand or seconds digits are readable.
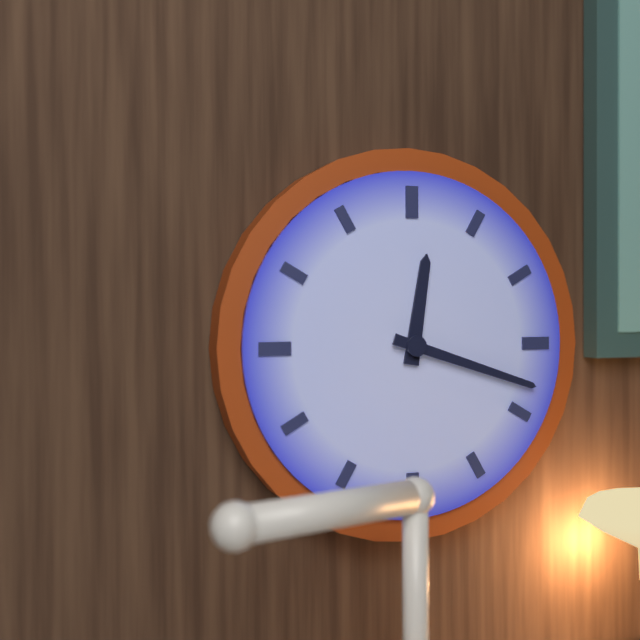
12:18
